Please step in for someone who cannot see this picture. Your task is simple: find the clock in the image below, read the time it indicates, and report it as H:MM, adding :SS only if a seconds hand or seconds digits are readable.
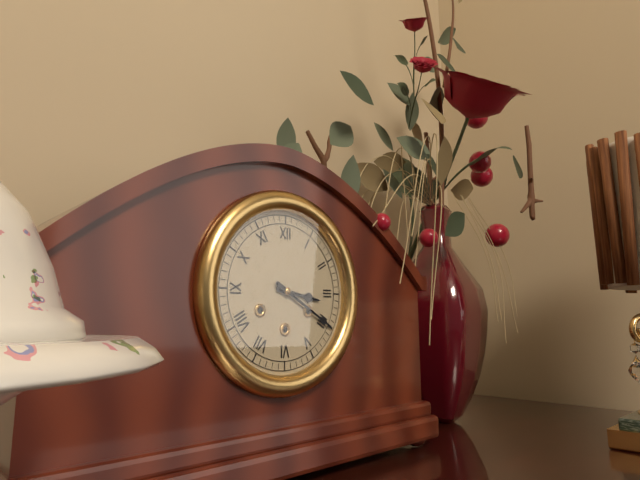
3:20
